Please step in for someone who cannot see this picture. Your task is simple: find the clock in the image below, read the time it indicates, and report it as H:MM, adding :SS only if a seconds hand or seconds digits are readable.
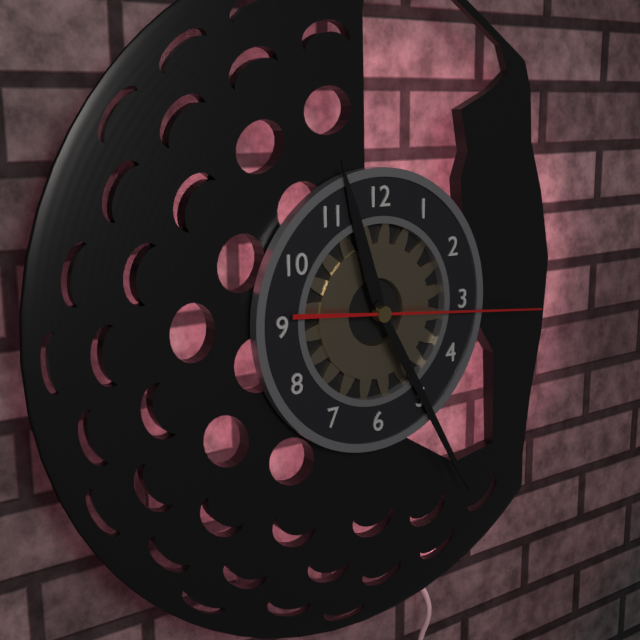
11:25:16
